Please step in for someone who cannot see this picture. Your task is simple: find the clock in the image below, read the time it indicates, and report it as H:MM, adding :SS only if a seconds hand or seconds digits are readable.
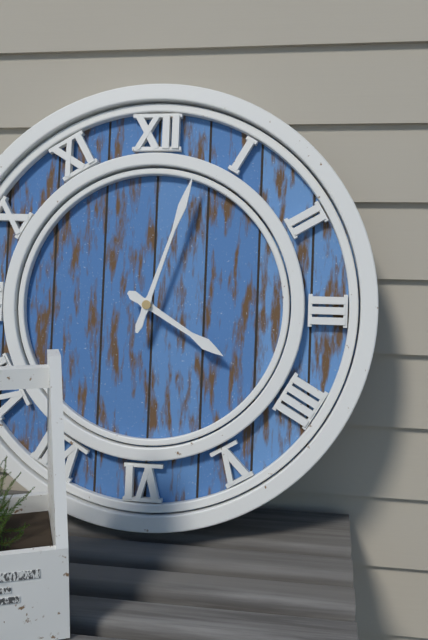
4:03
